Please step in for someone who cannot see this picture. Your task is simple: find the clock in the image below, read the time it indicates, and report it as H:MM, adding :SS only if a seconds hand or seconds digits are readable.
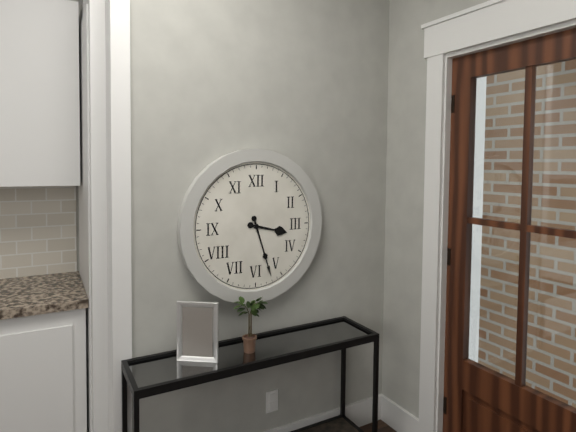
3:27
